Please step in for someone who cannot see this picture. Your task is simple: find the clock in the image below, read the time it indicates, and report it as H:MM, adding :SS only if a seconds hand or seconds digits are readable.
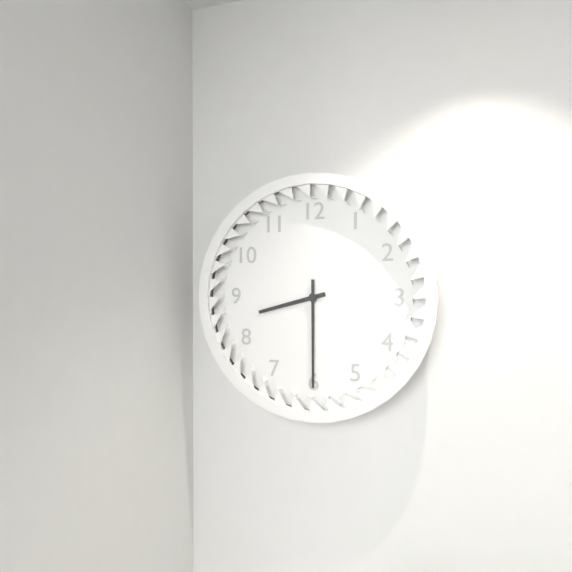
8:30
